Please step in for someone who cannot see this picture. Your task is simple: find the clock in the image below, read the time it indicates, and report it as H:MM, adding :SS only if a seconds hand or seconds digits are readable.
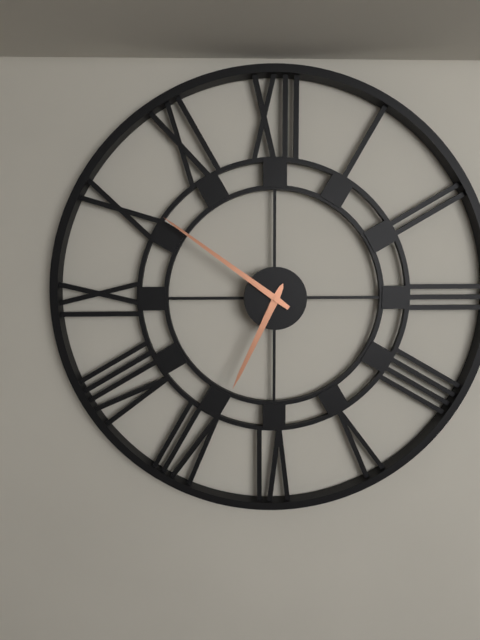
6:51
